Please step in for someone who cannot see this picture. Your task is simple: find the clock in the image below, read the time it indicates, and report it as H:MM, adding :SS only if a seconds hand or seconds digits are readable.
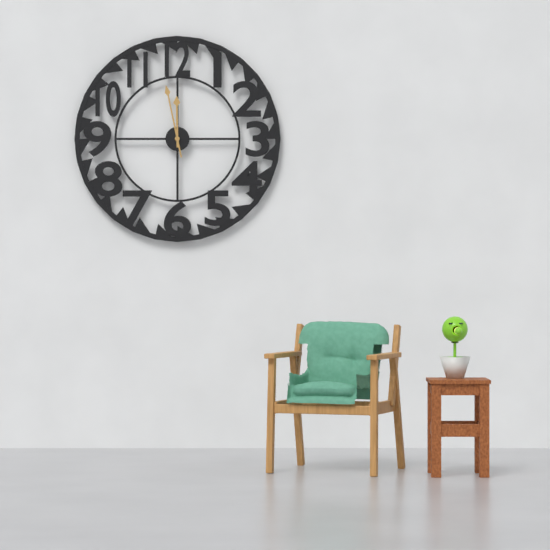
11:58
